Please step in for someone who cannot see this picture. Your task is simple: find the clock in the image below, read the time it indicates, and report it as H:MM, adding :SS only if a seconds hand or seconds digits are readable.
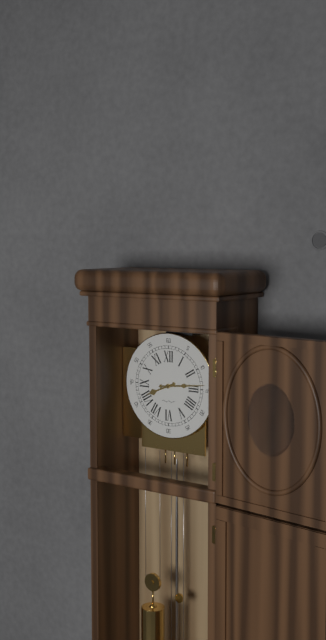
8:14
